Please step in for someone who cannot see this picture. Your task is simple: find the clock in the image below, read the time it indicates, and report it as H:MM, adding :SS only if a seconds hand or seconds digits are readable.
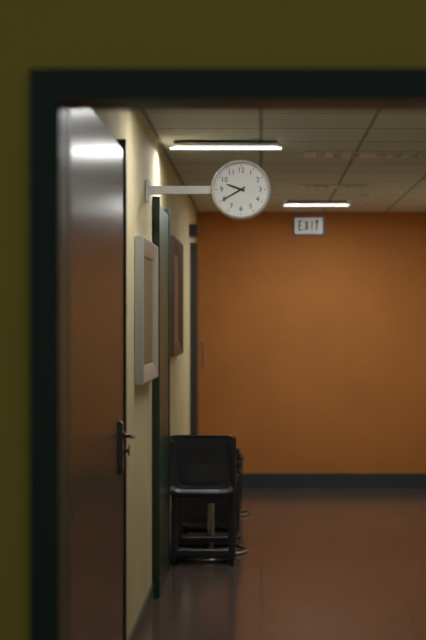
9:40
